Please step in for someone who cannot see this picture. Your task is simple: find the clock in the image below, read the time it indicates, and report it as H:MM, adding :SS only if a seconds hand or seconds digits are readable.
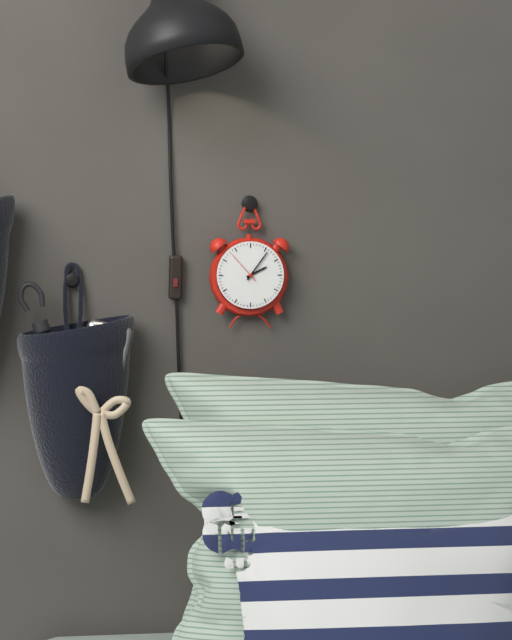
2:06
